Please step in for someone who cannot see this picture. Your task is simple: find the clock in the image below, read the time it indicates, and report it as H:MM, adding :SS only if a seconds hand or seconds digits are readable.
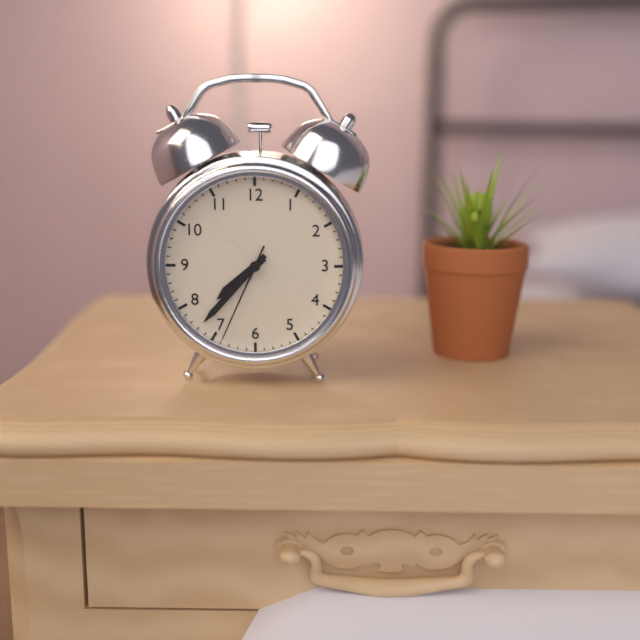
7:37:34
